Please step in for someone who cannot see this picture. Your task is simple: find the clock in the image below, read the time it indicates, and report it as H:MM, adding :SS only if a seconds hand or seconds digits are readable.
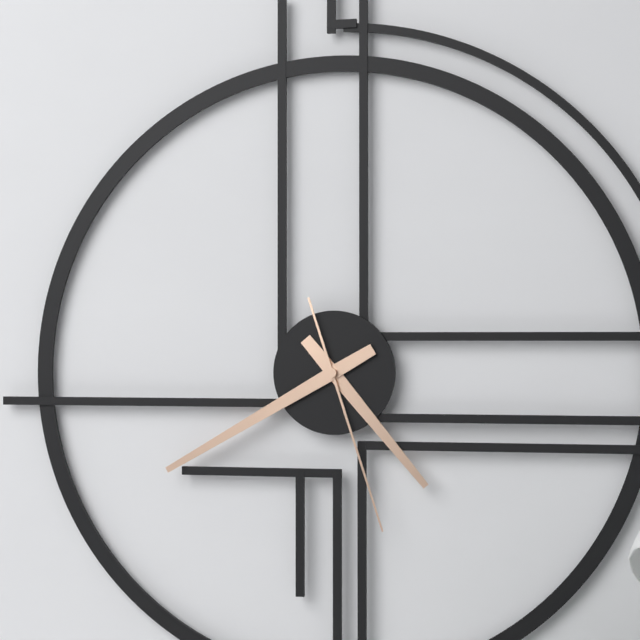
4:40:27
